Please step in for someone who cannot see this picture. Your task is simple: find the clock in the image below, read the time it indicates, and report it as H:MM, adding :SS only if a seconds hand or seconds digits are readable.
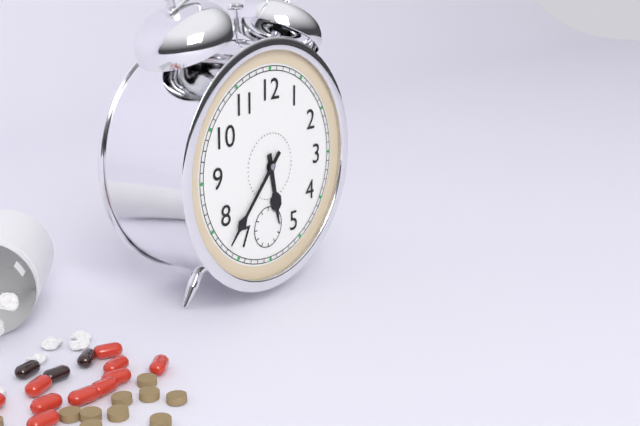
5:37
